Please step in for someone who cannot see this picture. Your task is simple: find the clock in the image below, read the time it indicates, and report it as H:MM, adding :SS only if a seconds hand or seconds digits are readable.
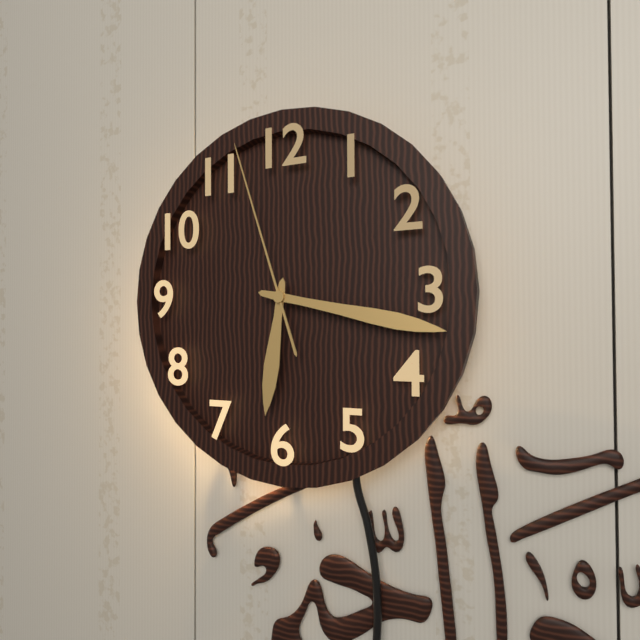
6:17:57
